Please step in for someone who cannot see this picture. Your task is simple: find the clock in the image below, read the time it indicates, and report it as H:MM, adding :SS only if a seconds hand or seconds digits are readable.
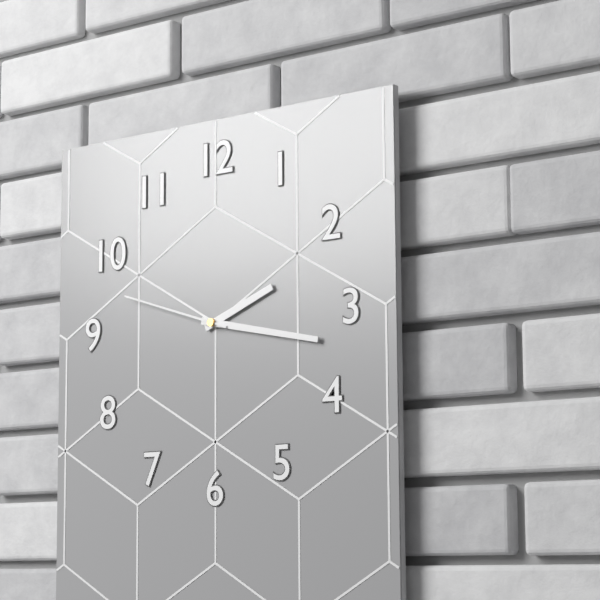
2:17:48
